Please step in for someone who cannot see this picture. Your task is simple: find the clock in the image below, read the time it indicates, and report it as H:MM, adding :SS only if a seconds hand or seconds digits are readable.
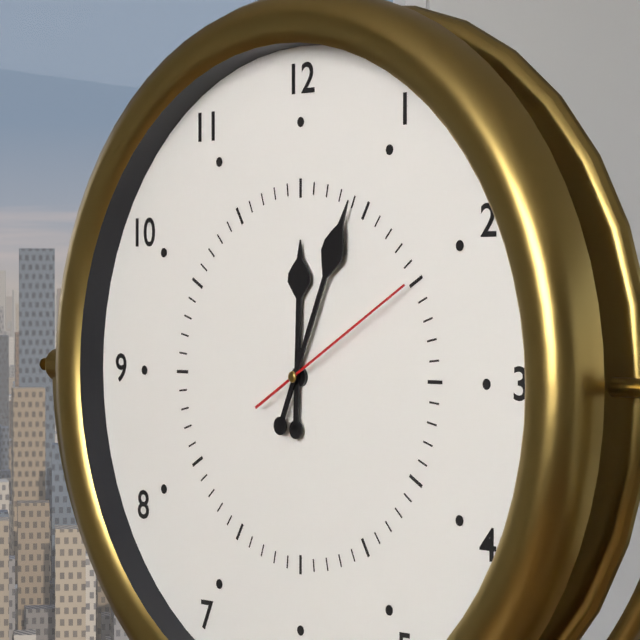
12:04:10
